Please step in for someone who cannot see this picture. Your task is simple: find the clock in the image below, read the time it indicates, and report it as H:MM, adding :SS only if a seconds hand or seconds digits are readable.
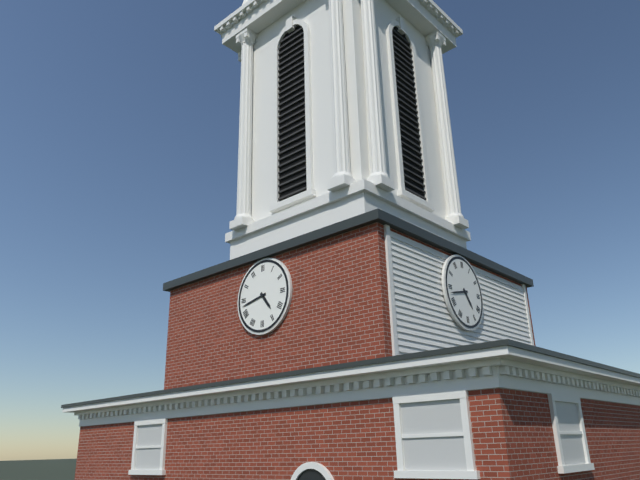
4:43
